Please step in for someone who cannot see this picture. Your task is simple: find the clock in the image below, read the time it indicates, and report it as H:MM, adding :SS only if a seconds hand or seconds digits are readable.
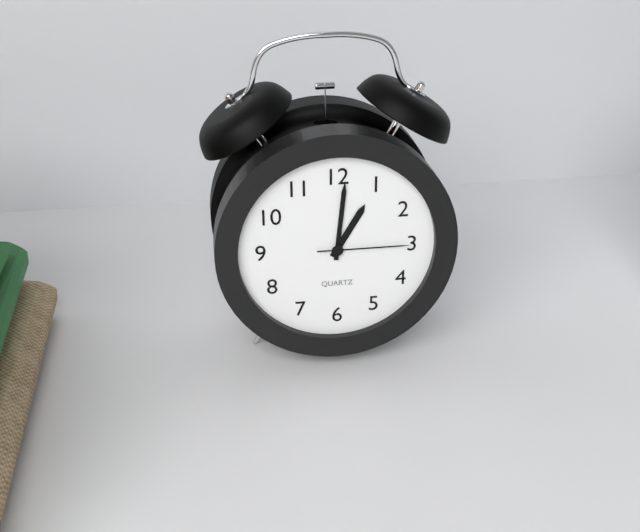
1:01:15
